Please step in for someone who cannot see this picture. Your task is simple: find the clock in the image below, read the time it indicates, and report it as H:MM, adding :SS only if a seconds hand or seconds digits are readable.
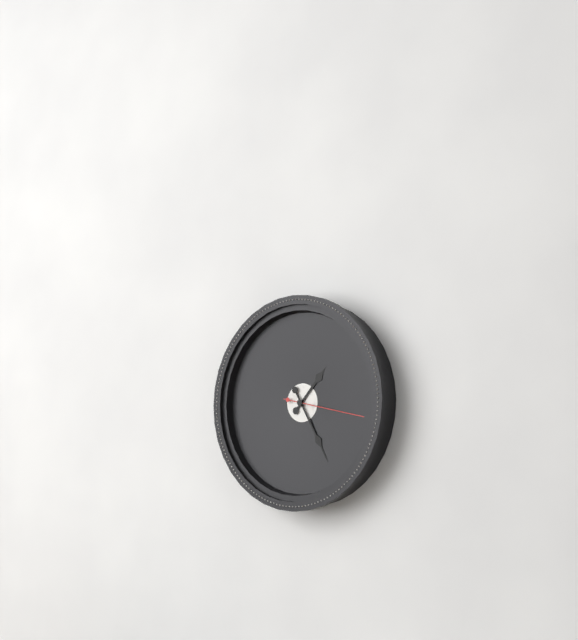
1:25:17
